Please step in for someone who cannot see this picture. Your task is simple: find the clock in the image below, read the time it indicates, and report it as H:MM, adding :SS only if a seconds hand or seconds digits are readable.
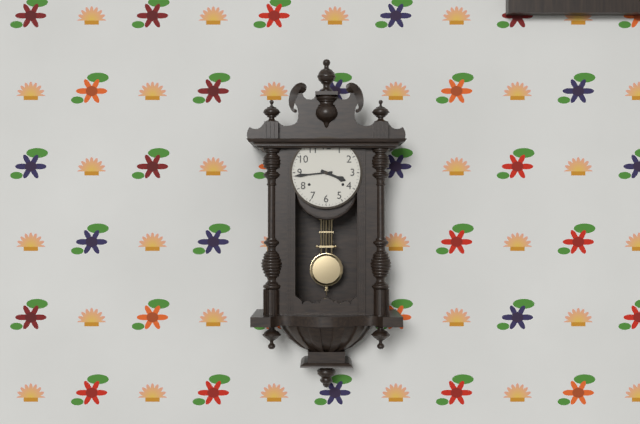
3:44
